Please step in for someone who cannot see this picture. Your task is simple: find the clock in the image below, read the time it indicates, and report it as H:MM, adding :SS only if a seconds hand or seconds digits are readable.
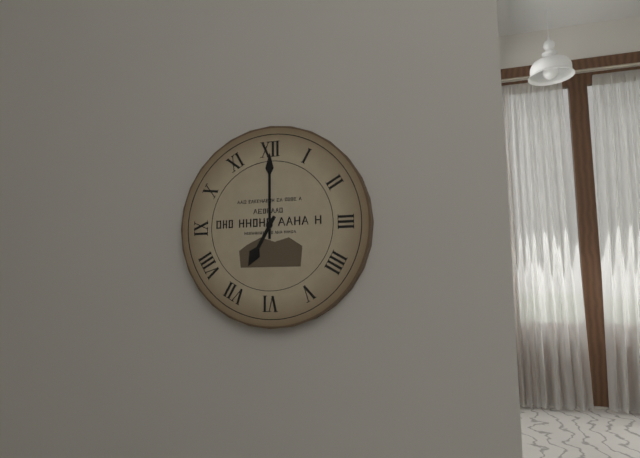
7:00
